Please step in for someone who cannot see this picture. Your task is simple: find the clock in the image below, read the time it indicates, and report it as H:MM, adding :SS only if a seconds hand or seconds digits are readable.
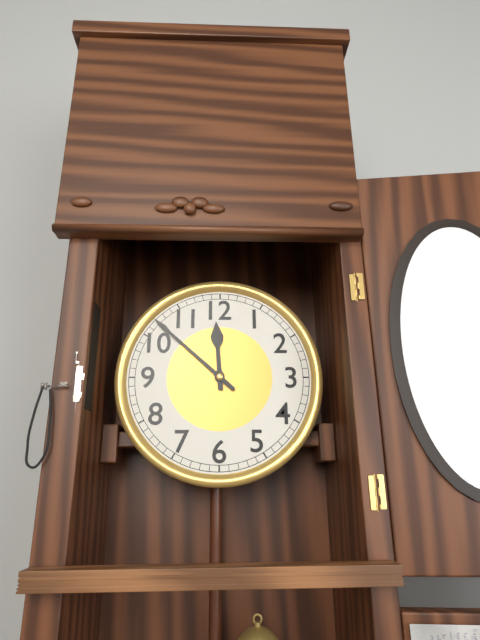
11:52
